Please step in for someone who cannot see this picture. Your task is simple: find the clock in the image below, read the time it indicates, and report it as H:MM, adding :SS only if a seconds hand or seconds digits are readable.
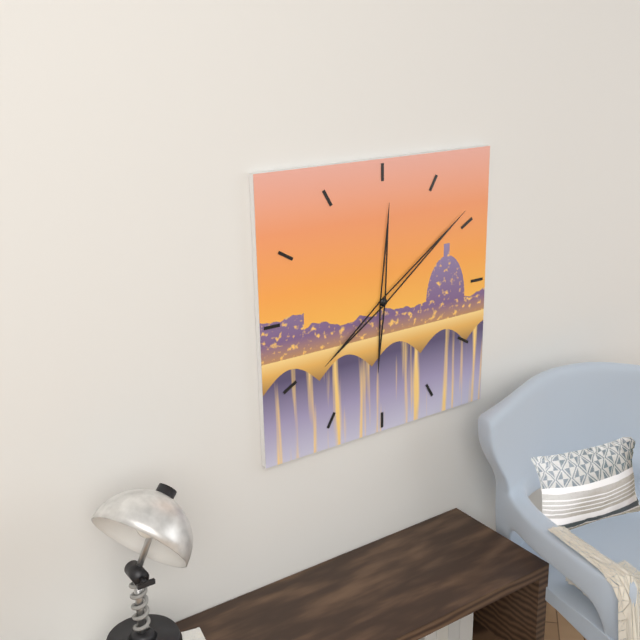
12:09
